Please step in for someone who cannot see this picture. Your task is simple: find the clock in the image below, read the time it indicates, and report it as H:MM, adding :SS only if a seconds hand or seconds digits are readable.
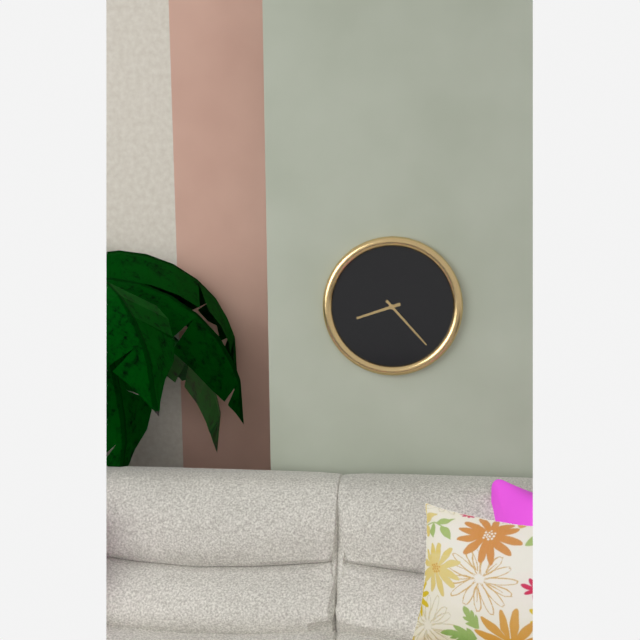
8:23
